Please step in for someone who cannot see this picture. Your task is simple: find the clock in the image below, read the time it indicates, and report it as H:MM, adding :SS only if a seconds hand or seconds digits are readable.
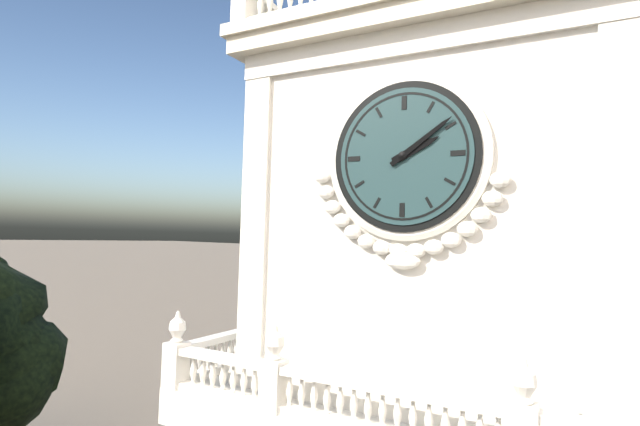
2:09
